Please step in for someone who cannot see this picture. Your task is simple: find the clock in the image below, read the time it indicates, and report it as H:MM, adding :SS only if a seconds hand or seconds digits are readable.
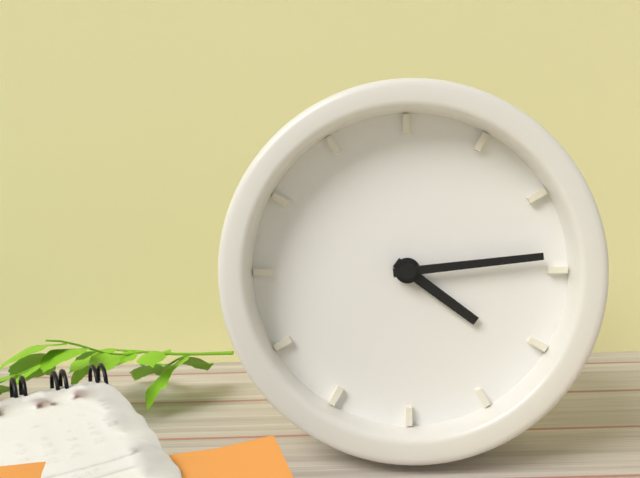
4:14
